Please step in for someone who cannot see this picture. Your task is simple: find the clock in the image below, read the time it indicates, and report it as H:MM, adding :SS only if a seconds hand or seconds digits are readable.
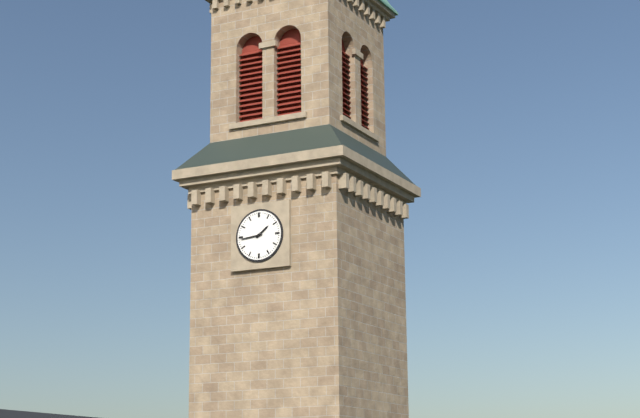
1:44
